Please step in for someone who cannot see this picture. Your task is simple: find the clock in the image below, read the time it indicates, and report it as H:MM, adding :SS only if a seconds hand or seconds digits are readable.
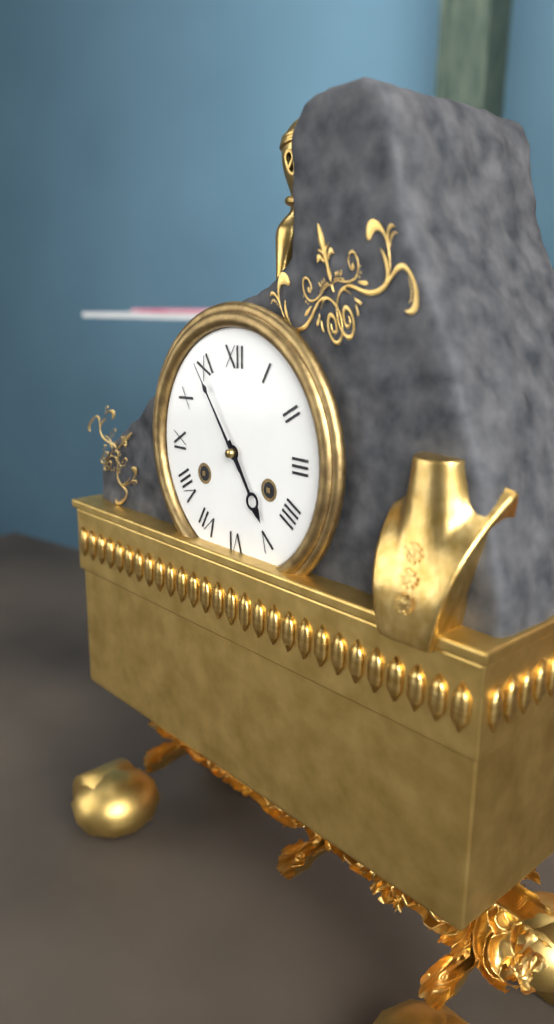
4:54
